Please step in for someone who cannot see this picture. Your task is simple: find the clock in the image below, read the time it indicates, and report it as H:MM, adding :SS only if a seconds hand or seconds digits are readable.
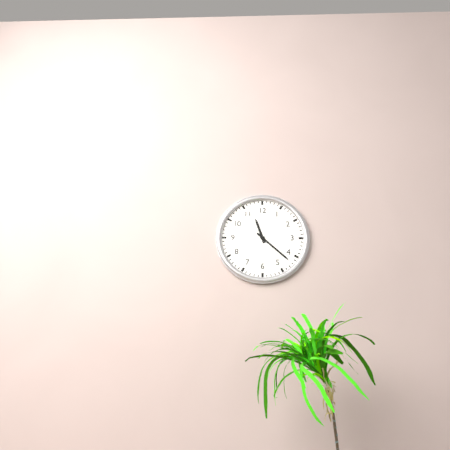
11:22
